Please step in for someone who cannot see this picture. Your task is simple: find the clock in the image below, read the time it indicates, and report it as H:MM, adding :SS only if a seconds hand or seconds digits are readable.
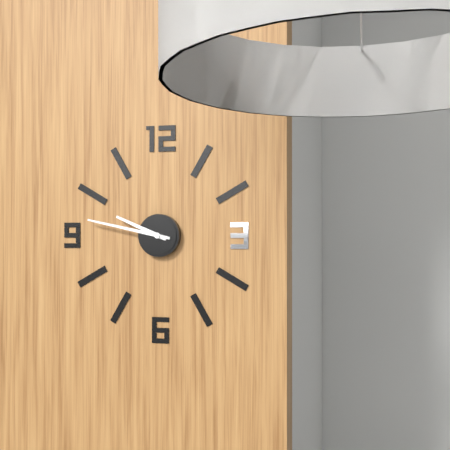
9:47
